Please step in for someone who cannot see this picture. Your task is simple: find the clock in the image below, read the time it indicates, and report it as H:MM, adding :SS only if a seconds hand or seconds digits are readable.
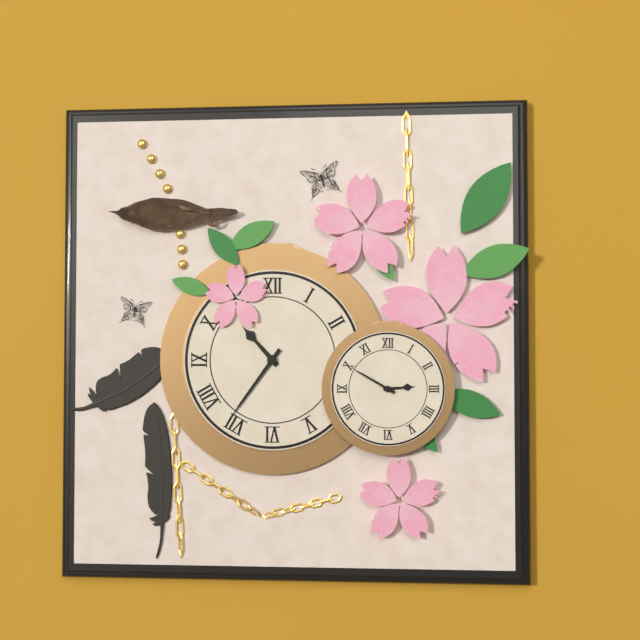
10:36
